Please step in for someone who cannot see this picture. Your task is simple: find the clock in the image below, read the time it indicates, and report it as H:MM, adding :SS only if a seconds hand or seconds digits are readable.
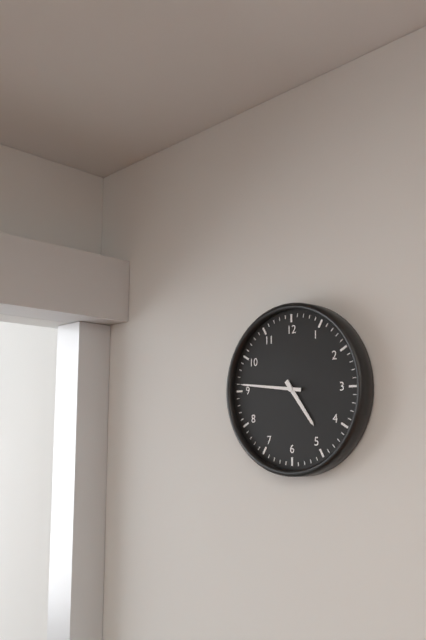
4:46
